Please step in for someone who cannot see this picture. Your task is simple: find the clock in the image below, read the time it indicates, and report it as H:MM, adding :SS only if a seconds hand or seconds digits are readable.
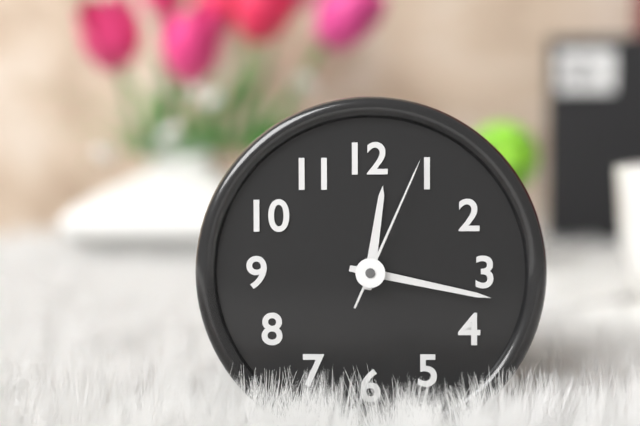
12:17:04
